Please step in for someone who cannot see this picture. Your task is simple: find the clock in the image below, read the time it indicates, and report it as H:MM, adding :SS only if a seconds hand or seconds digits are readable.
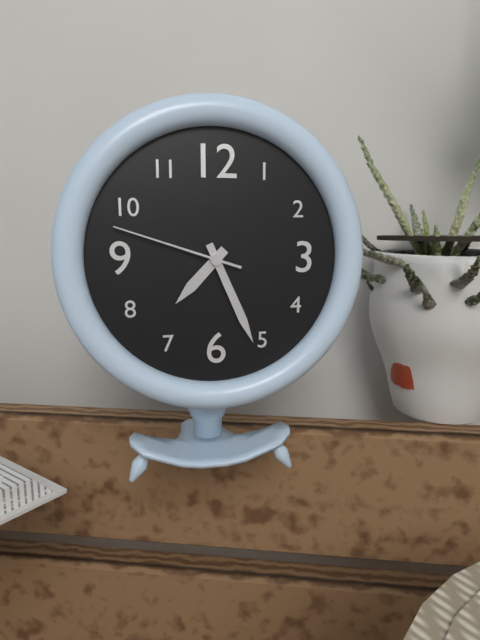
7:26:48
